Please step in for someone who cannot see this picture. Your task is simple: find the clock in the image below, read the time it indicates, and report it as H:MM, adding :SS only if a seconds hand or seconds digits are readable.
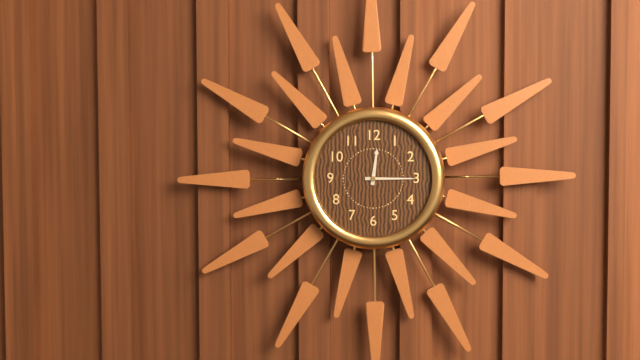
12:15
